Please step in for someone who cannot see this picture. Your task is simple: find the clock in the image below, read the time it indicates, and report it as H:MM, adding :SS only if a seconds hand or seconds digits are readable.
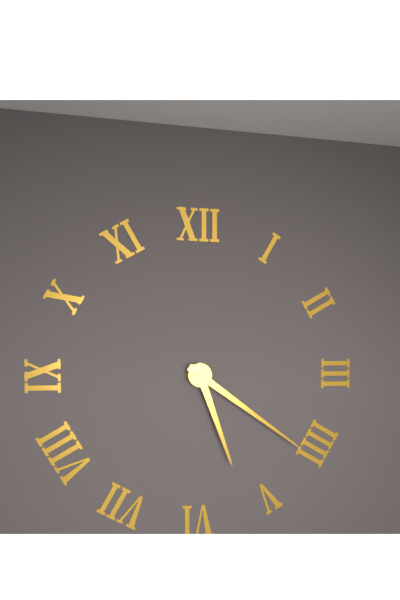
5:21
